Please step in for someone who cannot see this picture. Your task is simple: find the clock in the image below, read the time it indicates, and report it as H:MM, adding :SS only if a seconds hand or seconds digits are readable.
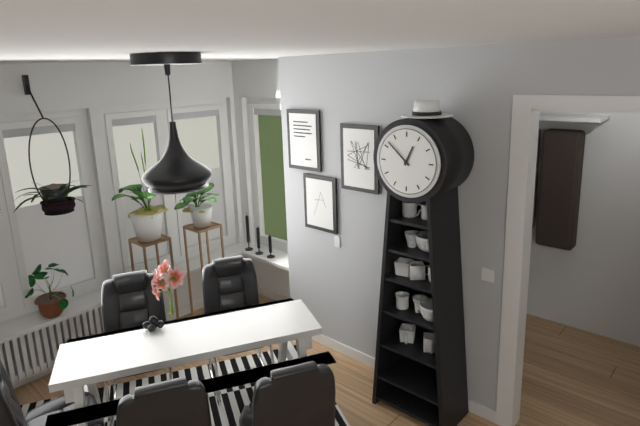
12:52
